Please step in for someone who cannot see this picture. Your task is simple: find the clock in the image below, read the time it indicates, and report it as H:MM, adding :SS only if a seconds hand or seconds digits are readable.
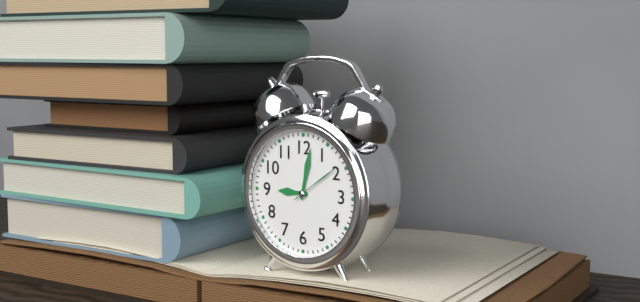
9:02:09
